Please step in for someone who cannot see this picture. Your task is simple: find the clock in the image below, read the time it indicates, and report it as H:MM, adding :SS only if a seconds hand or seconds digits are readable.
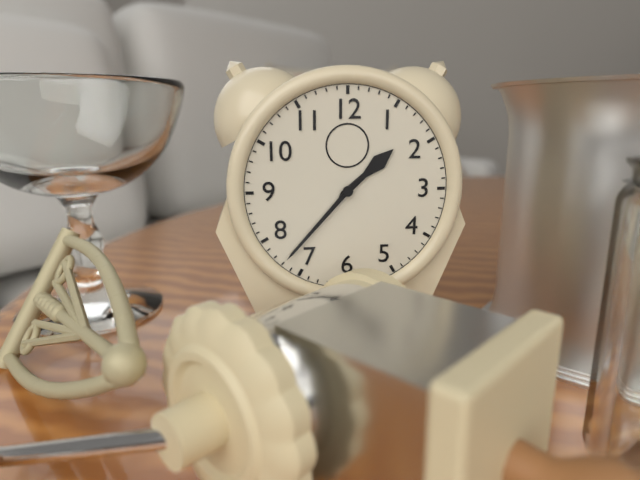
1:37
